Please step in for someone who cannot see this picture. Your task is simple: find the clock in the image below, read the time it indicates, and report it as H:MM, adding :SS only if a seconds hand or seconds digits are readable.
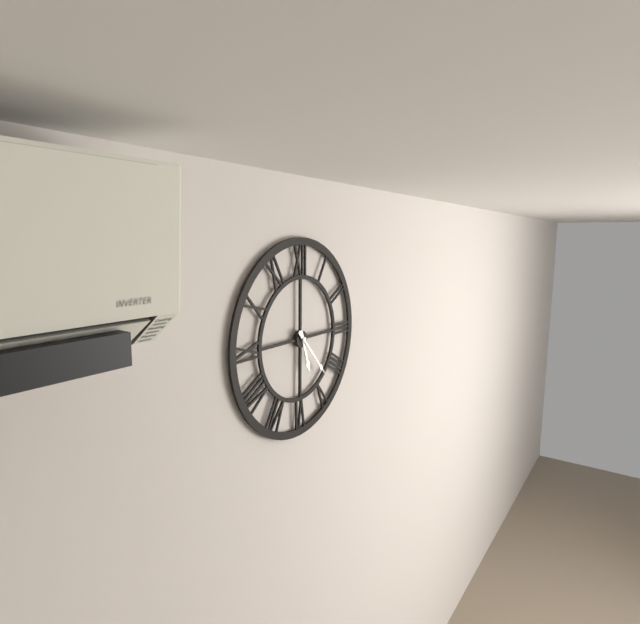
5:23
